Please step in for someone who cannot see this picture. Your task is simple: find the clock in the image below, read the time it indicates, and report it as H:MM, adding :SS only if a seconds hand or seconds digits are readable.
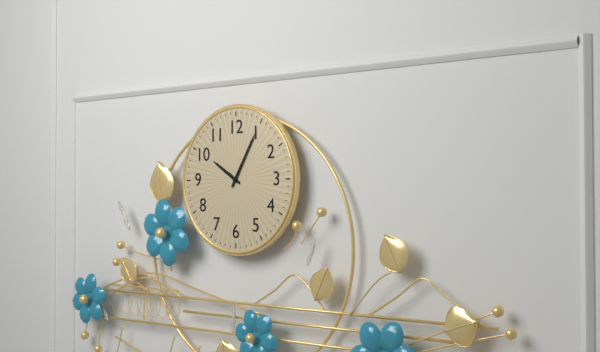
10:05
